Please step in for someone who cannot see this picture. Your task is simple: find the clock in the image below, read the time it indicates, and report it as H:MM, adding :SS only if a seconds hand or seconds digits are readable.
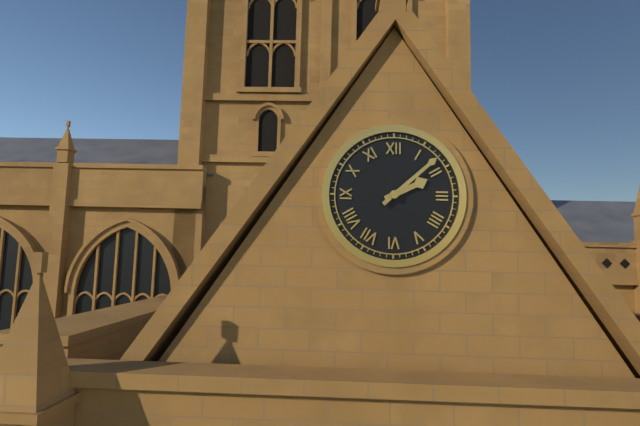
2:08
